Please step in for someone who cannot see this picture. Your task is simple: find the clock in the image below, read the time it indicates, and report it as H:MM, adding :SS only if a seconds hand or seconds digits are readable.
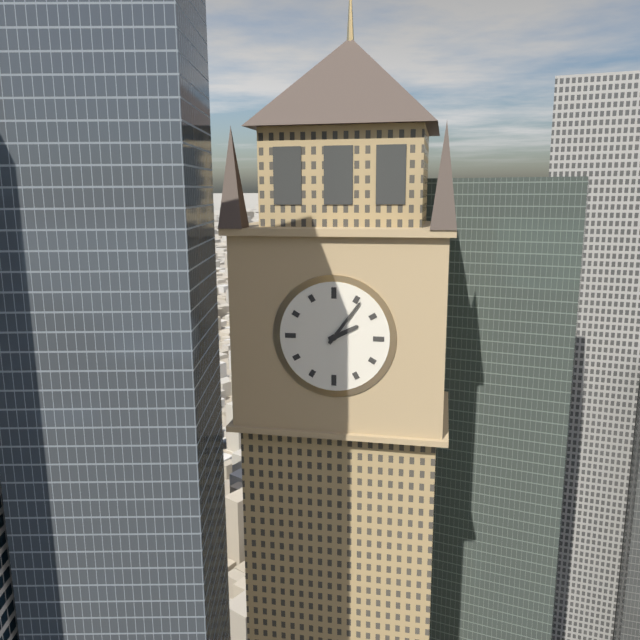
2:06
